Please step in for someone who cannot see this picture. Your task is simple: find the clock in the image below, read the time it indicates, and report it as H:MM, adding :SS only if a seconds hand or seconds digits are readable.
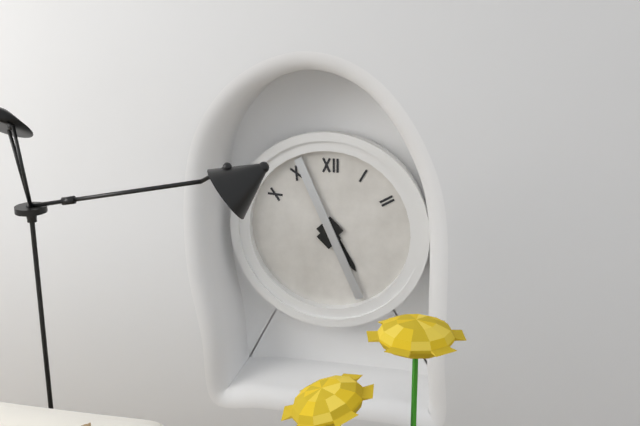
4:56
